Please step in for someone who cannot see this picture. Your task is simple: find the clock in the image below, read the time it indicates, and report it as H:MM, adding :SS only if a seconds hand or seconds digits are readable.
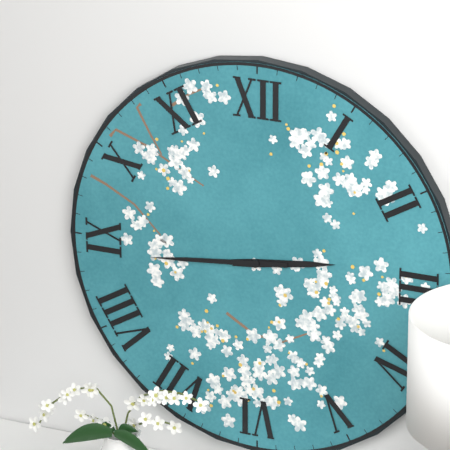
2:44
